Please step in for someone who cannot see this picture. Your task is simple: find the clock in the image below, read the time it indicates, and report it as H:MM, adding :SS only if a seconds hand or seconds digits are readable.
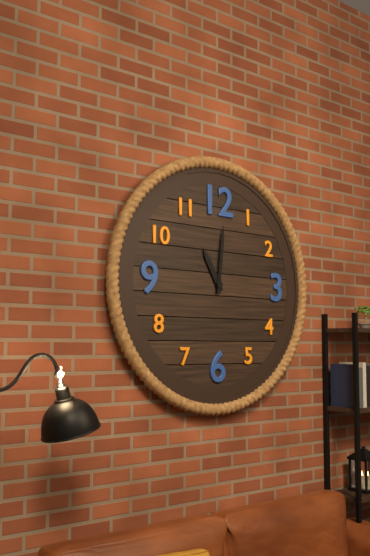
11:01
